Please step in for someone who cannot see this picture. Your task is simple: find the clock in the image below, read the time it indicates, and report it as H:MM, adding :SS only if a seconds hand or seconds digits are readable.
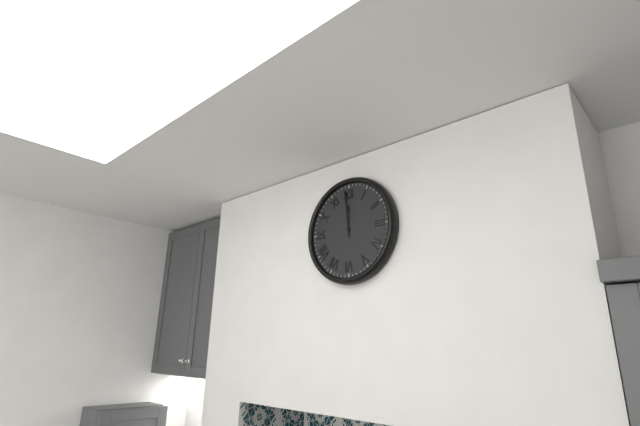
11:59
